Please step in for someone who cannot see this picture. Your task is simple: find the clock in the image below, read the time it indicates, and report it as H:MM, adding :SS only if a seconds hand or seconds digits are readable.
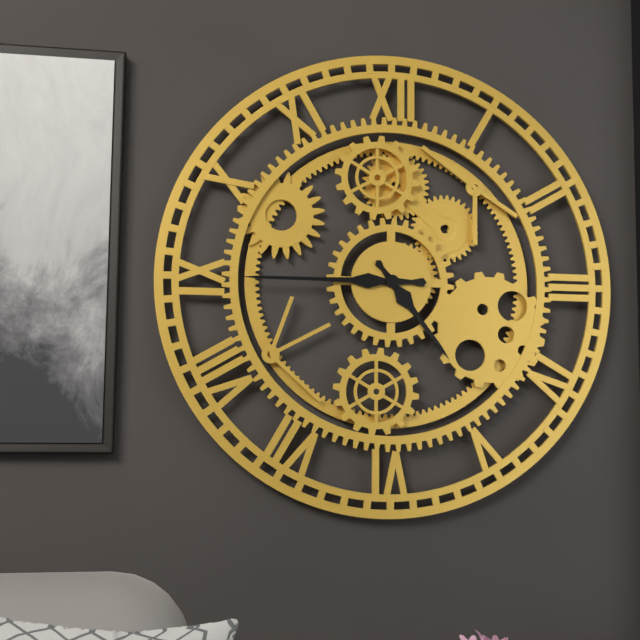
4:45
